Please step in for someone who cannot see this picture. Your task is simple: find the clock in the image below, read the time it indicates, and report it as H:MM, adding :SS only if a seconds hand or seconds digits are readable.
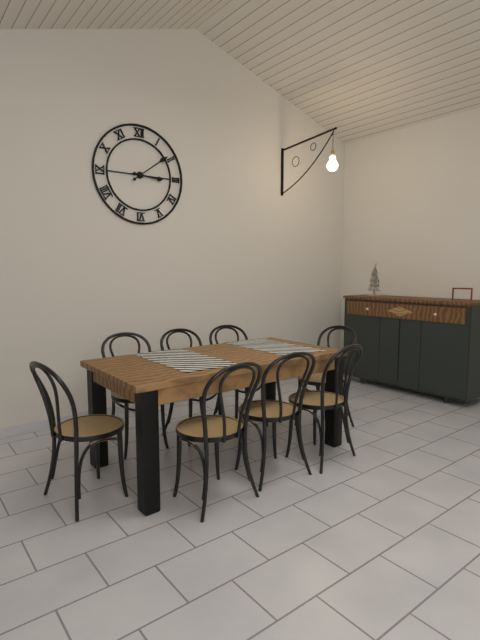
3:09
